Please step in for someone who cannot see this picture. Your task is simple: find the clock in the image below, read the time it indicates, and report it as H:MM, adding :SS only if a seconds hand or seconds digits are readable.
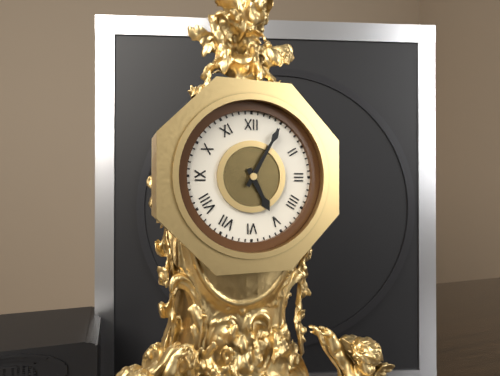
5:05
